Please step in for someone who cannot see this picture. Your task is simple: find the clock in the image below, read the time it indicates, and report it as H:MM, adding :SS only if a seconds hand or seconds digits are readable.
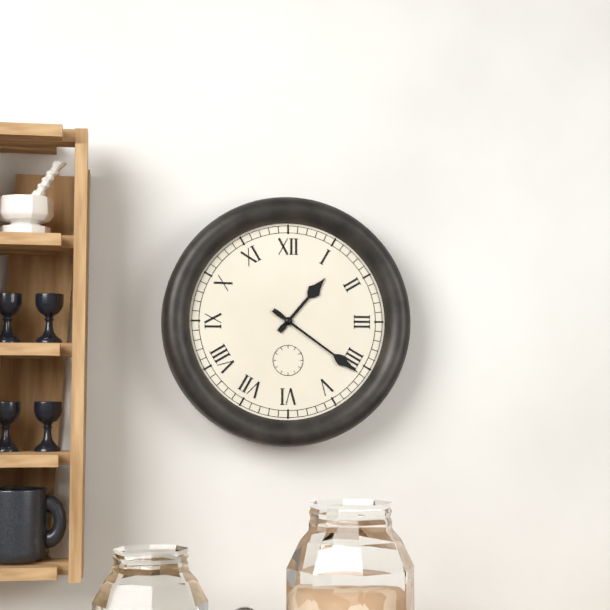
1:21
